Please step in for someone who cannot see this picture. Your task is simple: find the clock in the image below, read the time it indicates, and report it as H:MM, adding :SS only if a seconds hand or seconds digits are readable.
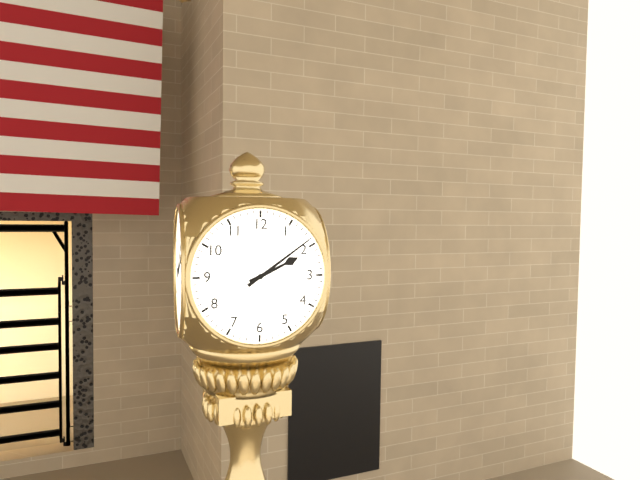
2:09
